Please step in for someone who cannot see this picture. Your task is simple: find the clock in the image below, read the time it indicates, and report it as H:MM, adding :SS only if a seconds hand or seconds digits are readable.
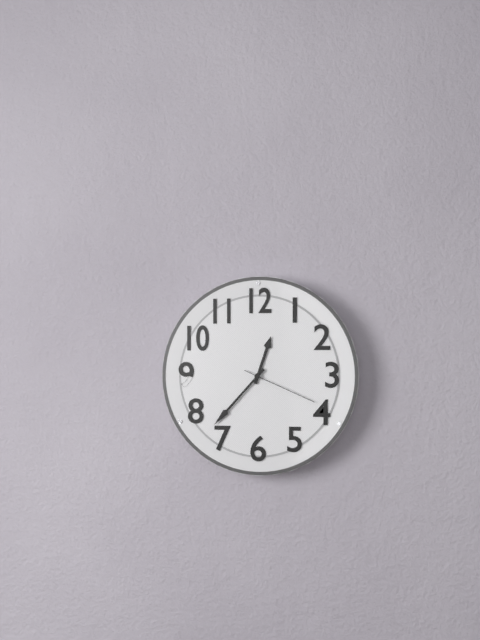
12:37:19
